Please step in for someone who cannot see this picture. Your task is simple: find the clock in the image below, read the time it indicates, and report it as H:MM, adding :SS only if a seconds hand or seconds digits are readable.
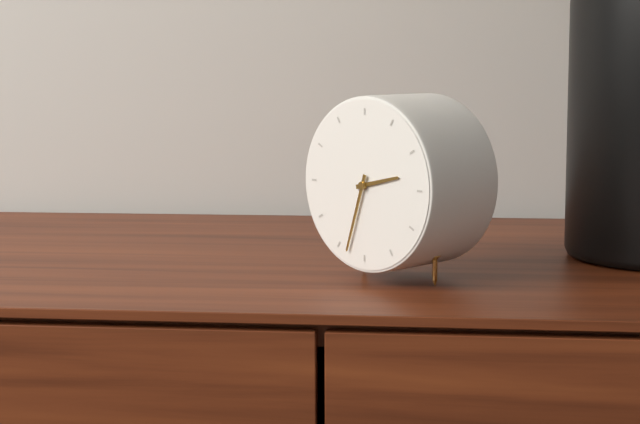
2:33
